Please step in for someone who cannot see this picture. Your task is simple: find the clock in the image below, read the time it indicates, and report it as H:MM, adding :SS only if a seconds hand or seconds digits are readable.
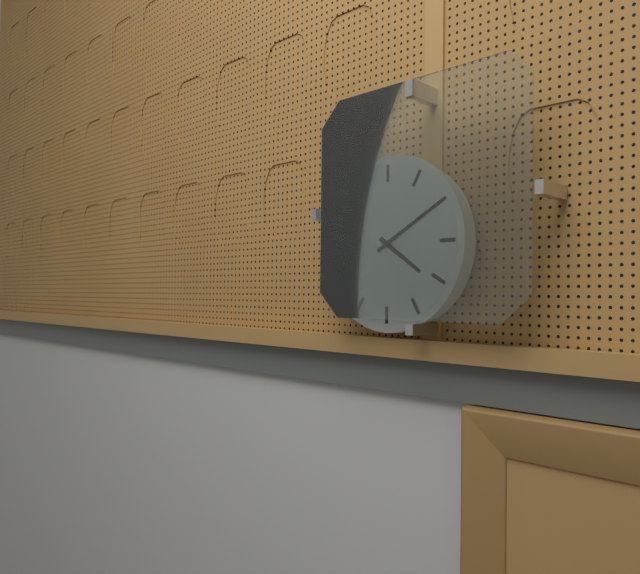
4:10
